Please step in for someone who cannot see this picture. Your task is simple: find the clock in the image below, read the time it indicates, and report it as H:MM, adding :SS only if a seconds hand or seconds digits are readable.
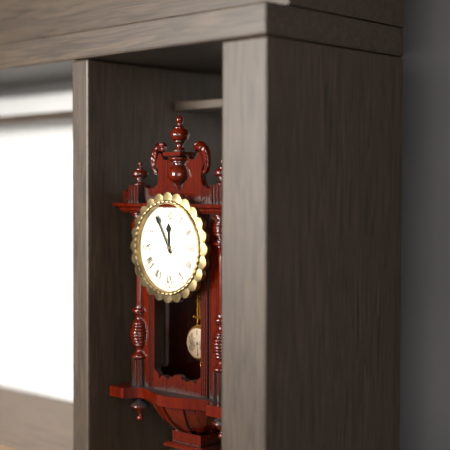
11:55
